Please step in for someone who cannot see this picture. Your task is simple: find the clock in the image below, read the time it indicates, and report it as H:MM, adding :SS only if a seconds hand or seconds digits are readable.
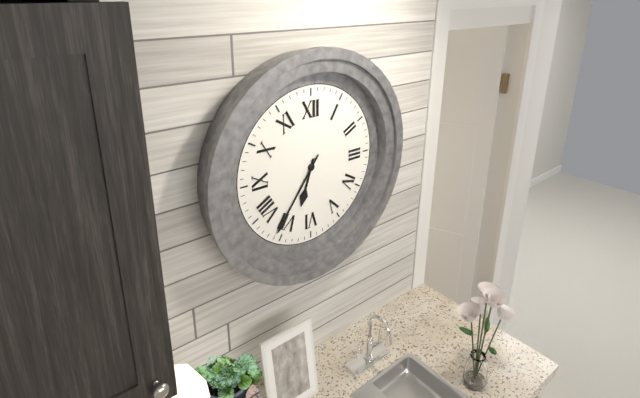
6:36
